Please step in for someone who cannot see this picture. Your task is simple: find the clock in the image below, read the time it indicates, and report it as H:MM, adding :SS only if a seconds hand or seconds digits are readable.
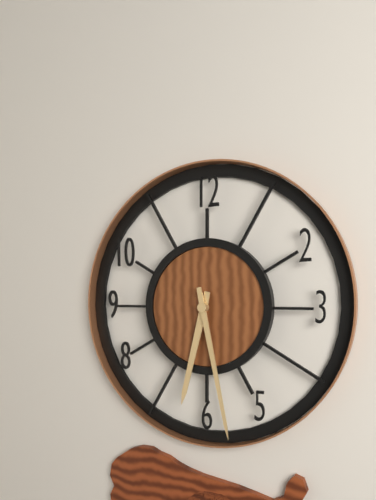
6:28
